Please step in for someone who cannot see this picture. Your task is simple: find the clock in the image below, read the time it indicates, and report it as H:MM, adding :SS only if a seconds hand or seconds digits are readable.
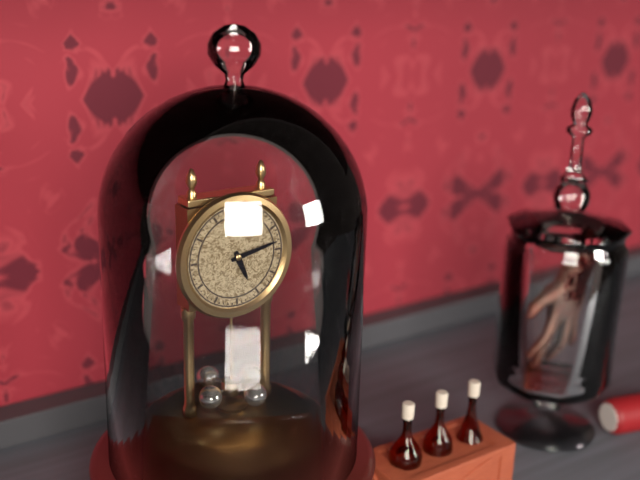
5:13
